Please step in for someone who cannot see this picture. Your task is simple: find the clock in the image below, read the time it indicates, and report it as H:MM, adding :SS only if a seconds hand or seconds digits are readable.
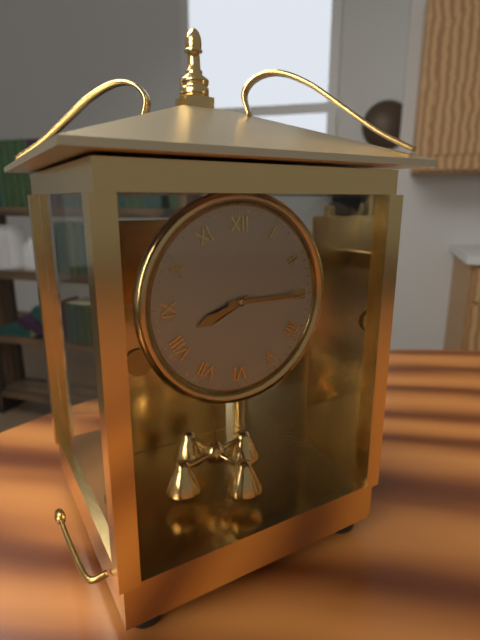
8:15
